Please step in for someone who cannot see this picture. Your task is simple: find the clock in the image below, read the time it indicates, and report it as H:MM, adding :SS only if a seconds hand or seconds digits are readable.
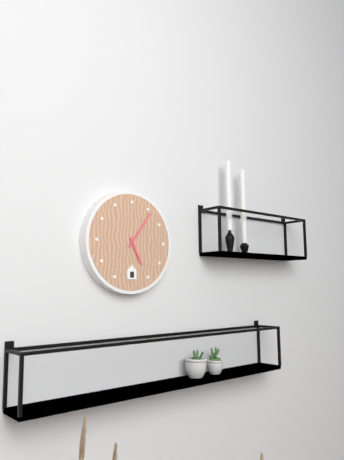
5:06
